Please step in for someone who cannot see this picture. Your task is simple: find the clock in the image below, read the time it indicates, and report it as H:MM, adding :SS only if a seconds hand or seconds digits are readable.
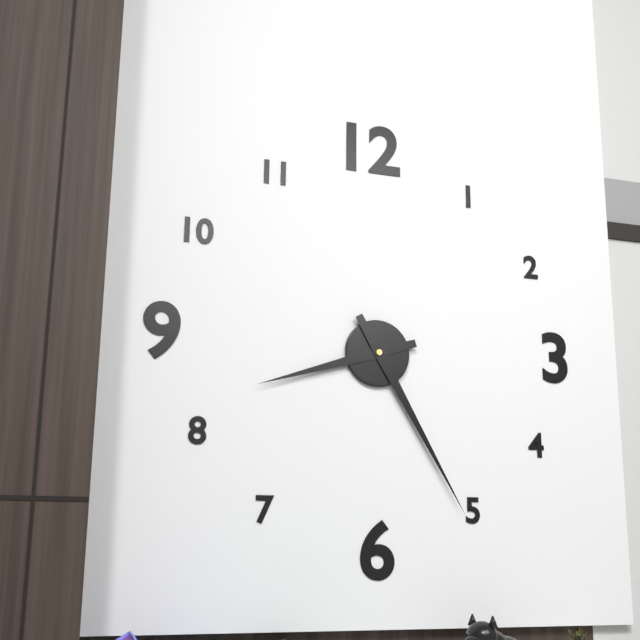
8:25
